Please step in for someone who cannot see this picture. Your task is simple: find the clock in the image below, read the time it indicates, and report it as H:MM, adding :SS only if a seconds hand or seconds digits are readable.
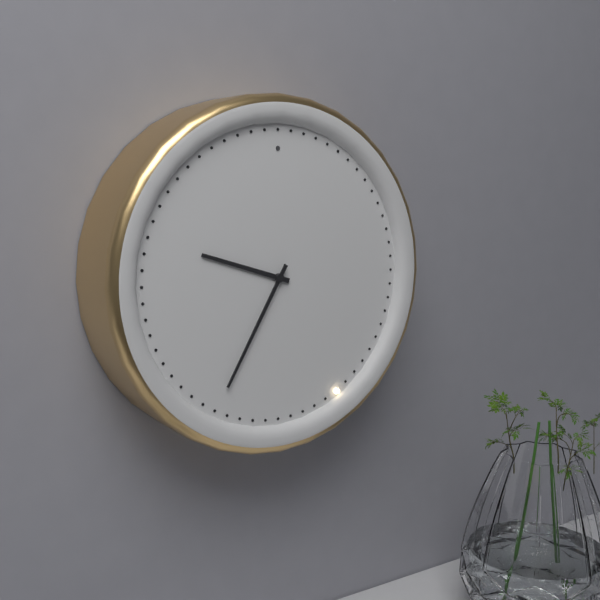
9:35
